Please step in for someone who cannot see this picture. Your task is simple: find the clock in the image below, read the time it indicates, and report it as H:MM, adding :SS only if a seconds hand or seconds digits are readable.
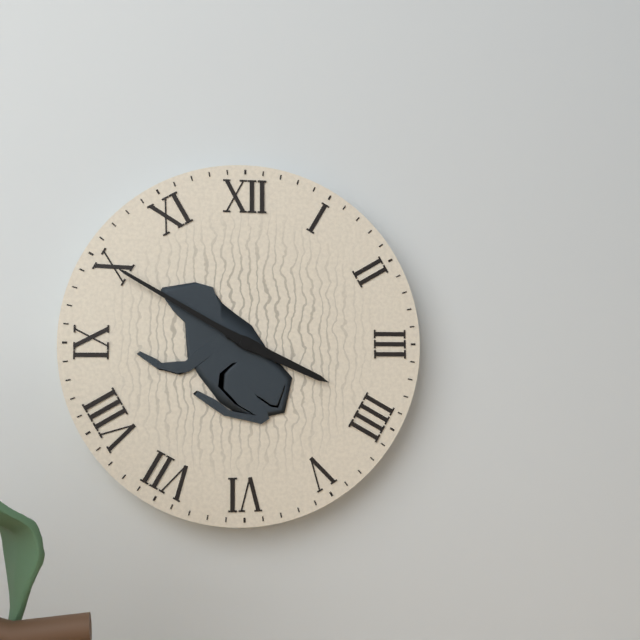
3:50
